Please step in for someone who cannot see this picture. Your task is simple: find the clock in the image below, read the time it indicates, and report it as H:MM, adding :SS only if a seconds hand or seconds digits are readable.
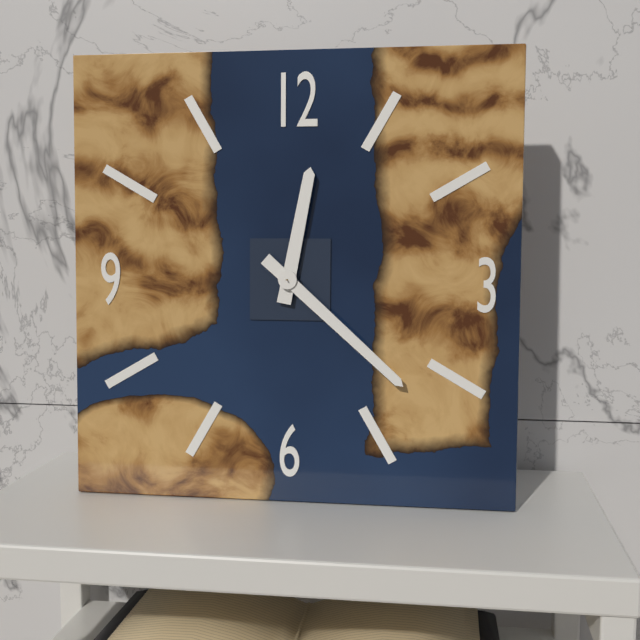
12:22
